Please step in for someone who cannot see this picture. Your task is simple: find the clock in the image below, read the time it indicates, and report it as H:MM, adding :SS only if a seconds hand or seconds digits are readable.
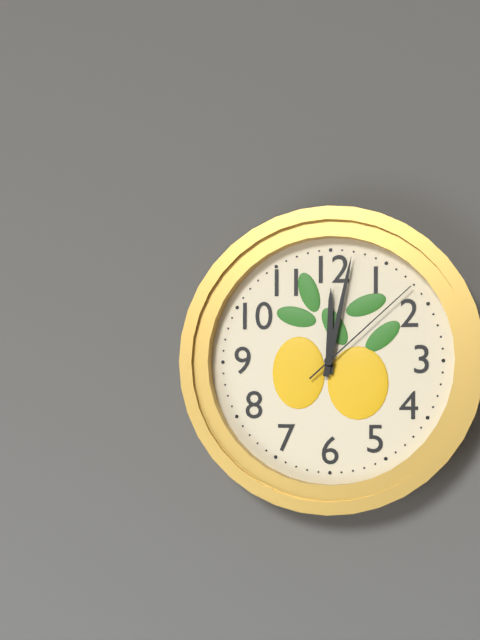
12:02:08
